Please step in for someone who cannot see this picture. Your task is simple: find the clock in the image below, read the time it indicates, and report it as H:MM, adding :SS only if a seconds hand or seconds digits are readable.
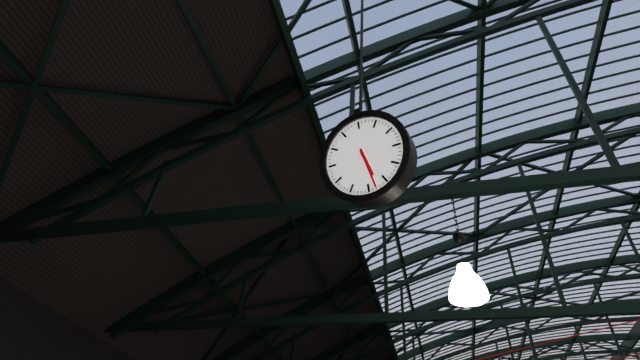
5:28
